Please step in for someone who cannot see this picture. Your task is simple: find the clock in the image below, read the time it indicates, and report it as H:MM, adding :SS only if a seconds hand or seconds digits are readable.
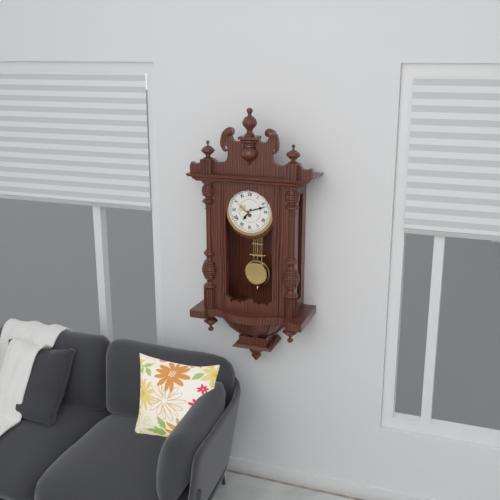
7:12
